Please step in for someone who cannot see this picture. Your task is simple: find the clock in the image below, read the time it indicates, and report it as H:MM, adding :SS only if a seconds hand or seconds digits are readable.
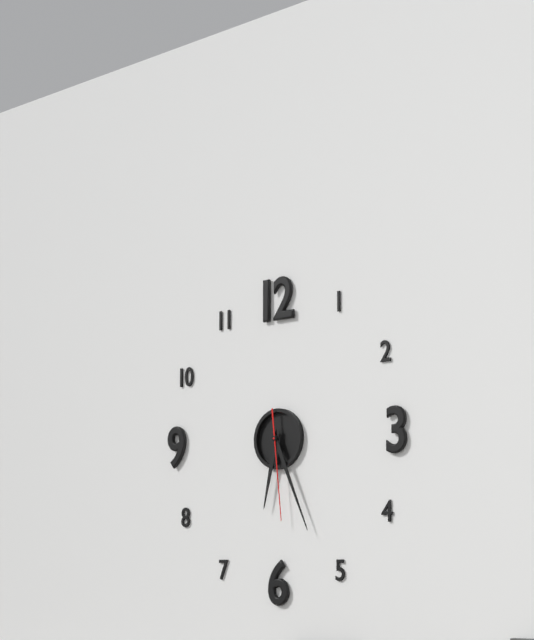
6:26:29
